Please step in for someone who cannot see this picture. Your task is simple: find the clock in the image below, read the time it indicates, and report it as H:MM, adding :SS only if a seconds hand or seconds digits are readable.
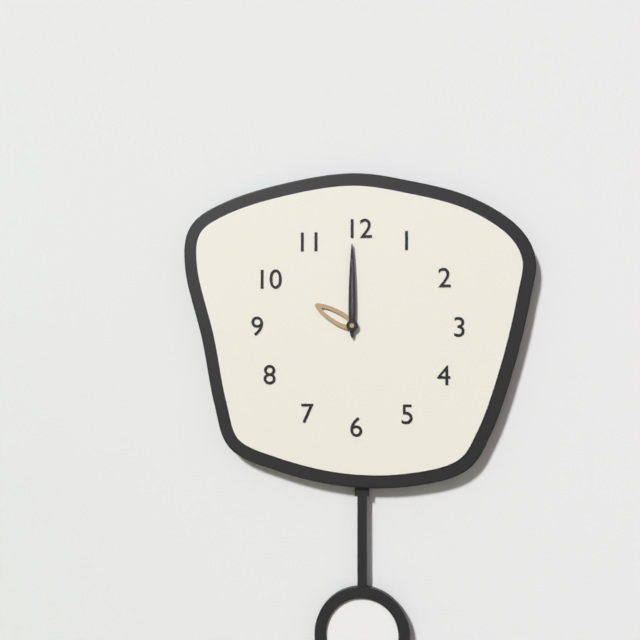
10:00
